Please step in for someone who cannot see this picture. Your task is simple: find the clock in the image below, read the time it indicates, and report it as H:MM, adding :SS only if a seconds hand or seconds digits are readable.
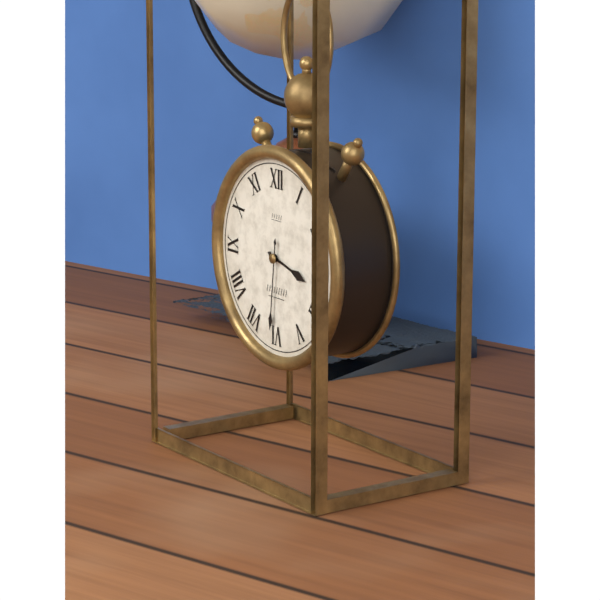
3:31
